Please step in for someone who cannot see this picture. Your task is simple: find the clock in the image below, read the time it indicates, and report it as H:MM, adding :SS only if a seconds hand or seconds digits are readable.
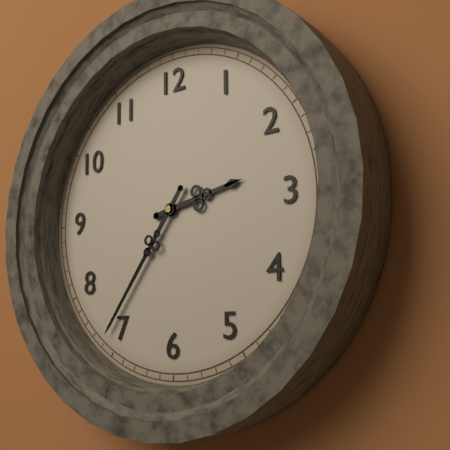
2:36
